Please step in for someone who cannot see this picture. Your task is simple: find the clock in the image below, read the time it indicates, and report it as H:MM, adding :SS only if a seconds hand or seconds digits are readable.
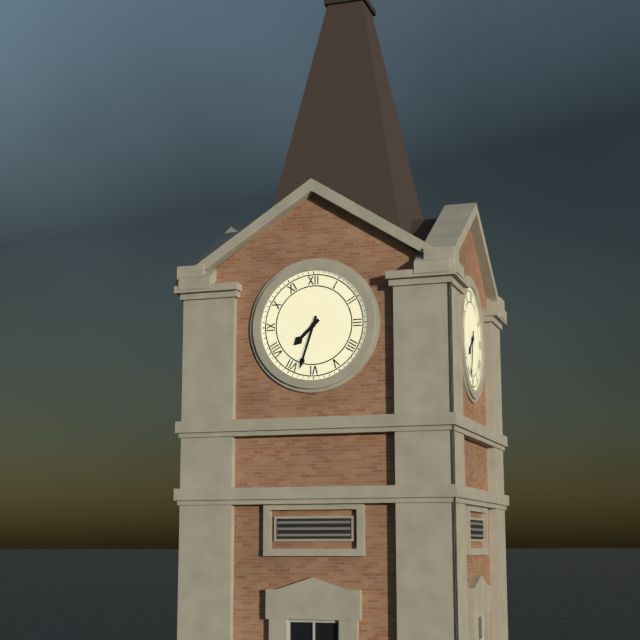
7:33
